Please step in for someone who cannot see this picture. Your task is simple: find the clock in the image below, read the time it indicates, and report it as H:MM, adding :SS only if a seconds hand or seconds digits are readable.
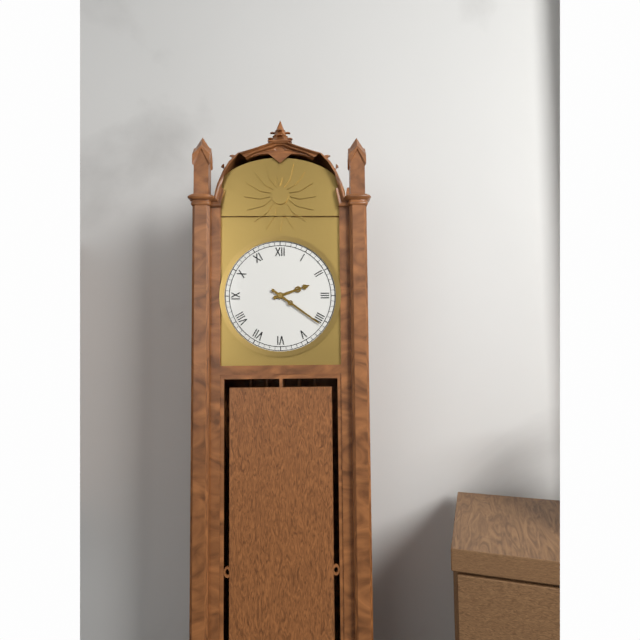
2:21
